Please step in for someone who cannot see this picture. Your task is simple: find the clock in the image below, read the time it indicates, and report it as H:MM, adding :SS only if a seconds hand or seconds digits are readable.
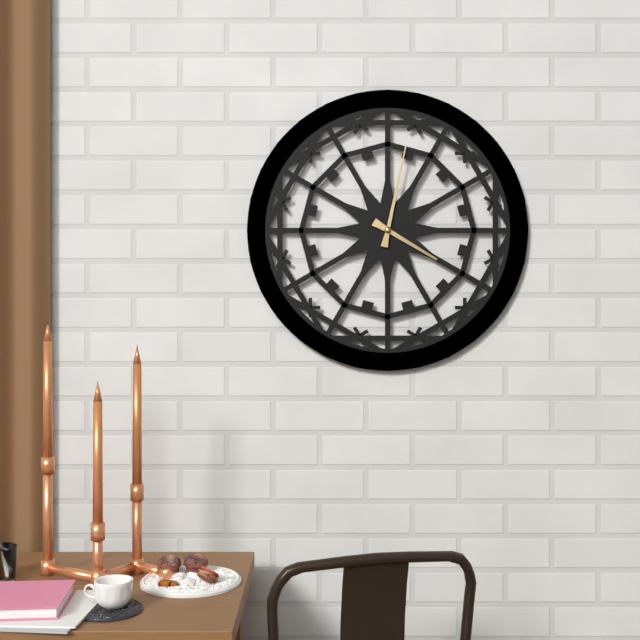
4:02
